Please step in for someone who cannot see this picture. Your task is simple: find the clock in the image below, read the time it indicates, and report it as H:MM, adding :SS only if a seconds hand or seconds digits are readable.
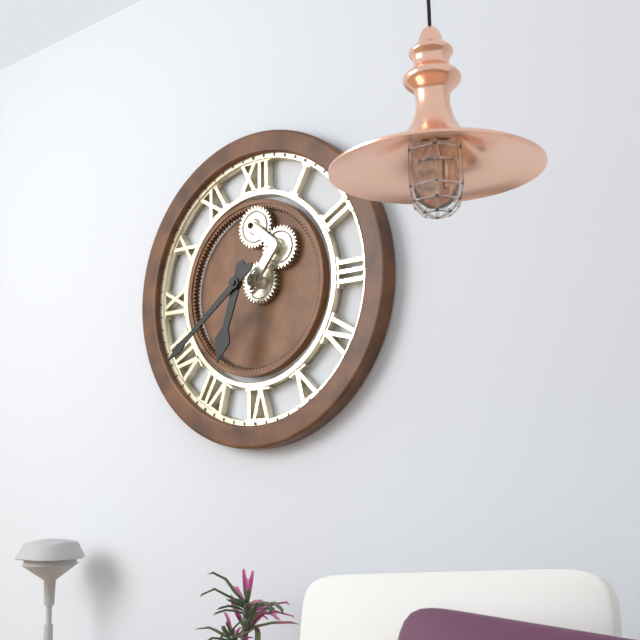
6:39
